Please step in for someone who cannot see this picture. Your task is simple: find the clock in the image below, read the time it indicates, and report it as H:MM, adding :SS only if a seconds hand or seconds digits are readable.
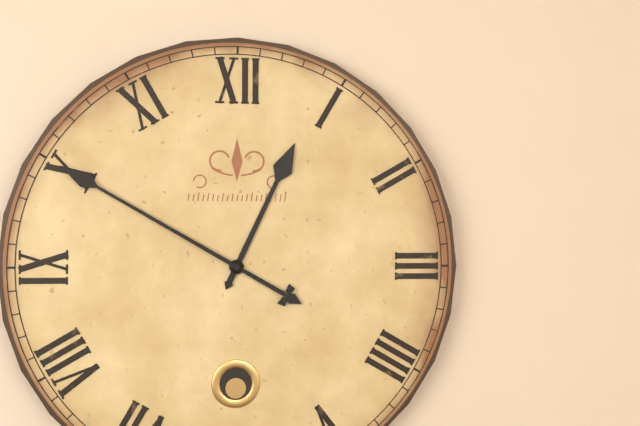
12:50
